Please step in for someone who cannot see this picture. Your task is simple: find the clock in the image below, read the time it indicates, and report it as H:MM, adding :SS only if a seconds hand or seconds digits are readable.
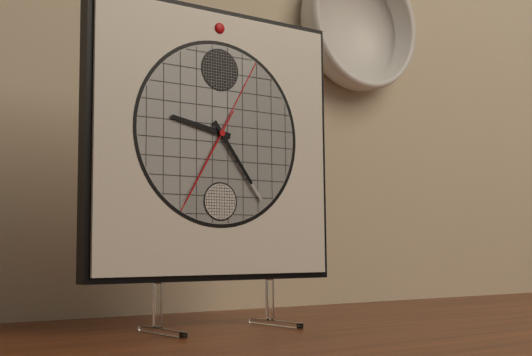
9:24:35
